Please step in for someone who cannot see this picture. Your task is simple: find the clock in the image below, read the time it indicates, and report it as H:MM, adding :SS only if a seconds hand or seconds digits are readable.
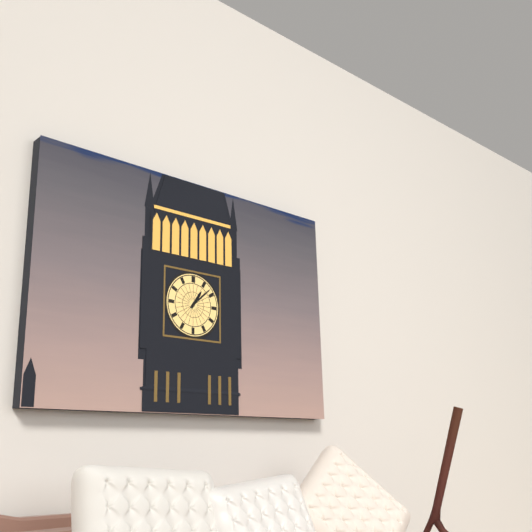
1:08
